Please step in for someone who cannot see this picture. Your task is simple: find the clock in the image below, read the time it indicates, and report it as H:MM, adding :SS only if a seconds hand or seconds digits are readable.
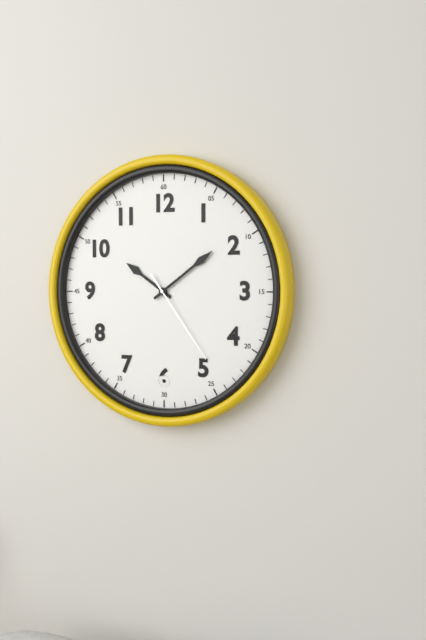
10:09:24
